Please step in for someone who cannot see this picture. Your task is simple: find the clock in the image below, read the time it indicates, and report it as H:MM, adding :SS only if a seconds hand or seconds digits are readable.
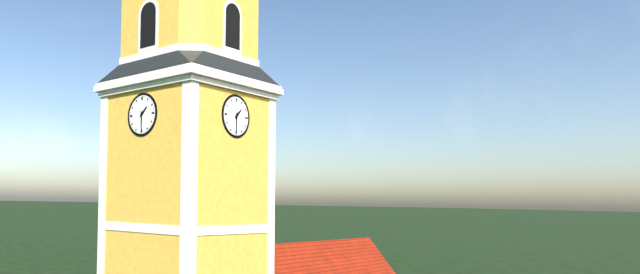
1:30
